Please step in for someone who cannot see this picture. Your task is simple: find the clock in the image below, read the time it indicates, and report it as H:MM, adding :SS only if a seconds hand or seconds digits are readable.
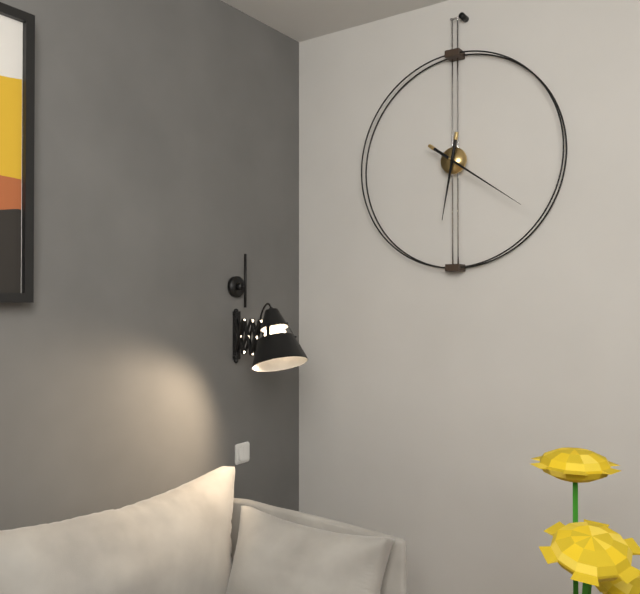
6:21
